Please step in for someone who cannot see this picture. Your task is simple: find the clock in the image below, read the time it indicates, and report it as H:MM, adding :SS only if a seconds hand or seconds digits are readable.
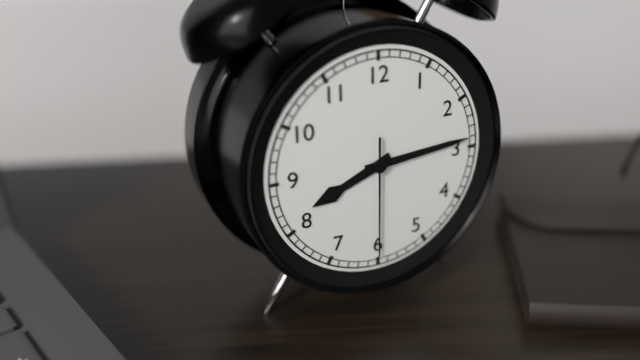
8:14:30
